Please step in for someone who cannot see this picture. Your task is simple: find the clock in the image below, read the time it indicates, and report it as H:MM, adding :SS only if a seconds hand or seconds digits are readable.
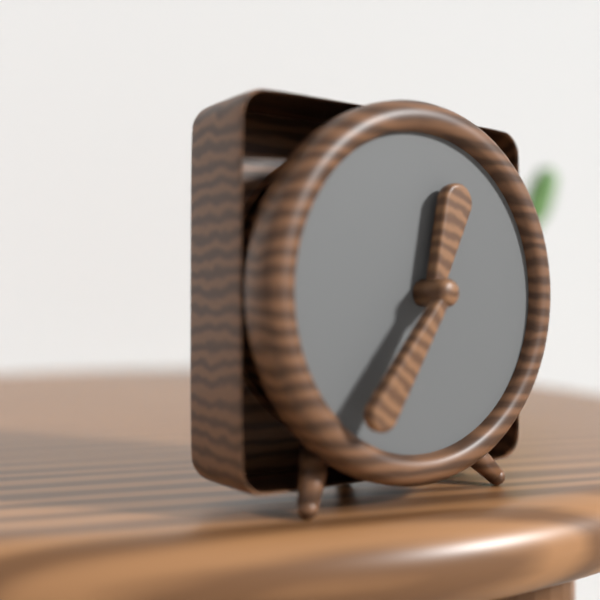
12:36
